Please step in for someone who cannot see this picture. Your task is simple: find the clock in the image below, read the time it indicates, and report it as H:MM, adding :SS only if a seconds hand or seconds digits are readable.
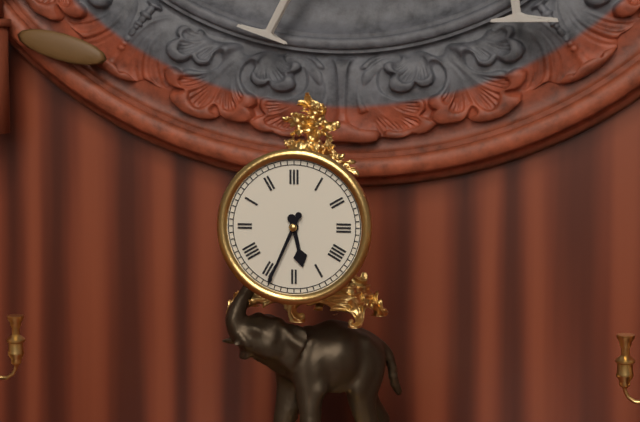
5:34
